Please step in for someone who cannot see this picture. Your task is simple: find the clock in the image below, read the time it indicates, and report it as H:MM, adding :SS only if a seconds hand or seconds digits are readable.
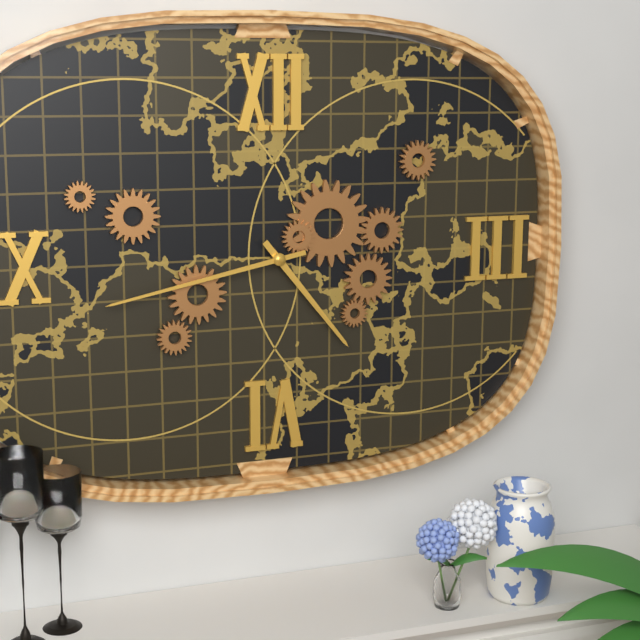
4:43
